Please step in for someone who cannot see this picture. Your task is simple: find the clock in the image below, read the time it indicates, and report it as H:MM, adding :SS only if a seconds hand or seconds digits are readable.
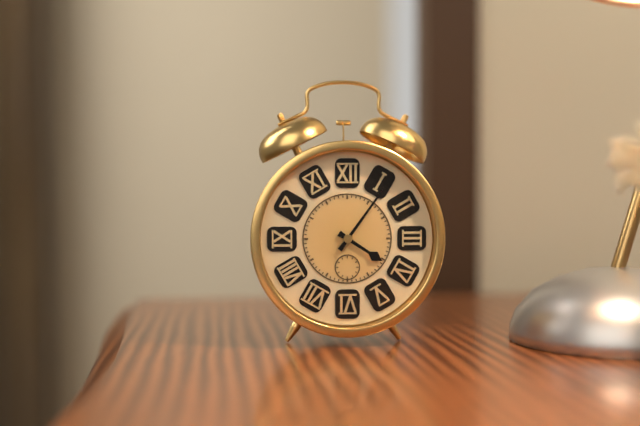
4:06
